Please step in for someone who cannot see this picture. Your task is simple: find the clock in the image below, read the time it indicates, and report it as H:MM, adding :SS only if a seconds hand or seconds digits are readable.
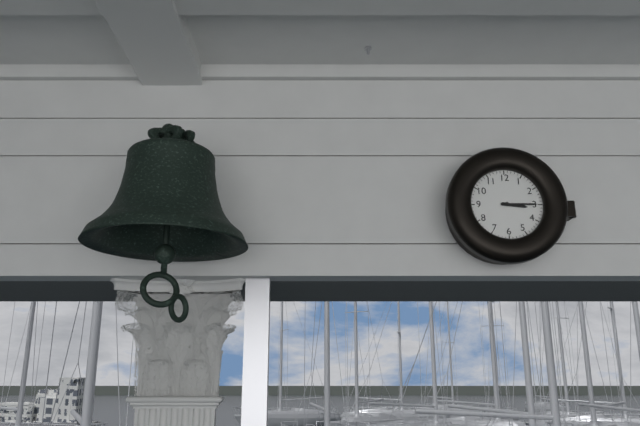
3:15
